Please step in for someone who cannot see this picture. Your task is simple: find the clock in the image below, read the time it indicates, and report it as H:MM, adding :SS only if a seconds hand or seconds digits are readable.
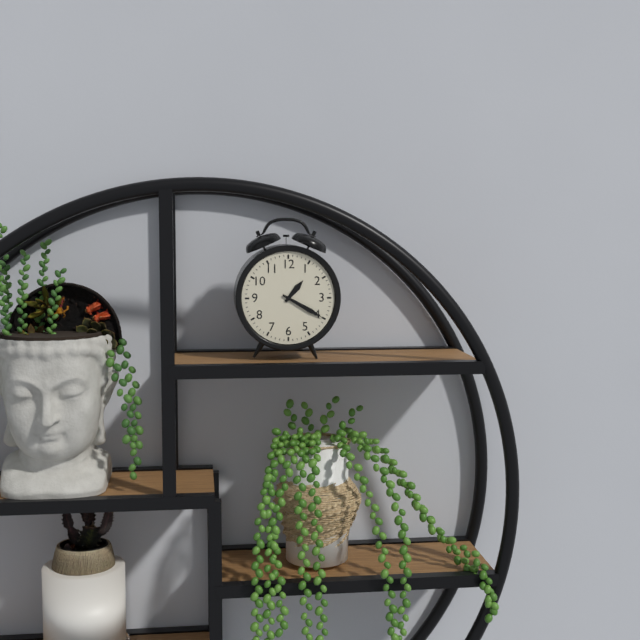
1:20
